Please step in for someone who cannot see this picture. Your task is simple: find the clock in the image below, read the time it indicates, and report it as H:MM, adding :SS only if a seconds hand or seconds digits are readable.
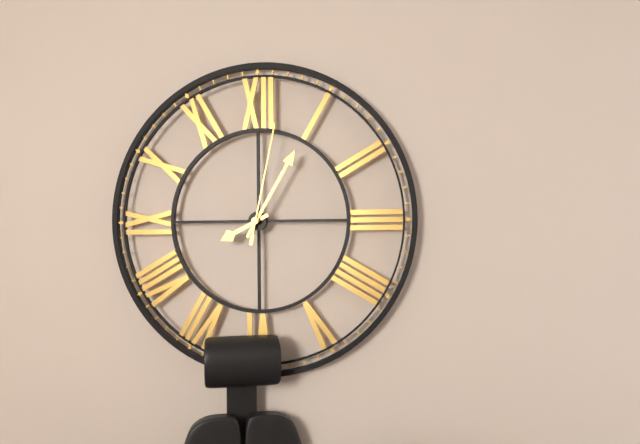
8:05:02
